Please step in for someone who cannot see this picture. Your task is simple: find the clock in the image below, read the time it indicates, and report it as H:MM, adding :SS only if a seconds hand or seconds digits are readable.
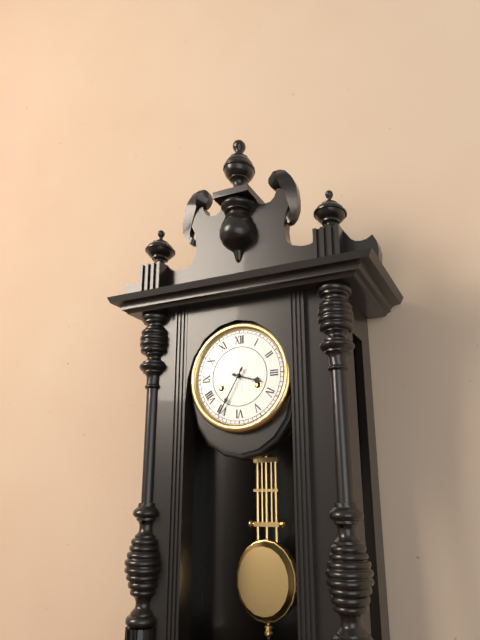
3:35
